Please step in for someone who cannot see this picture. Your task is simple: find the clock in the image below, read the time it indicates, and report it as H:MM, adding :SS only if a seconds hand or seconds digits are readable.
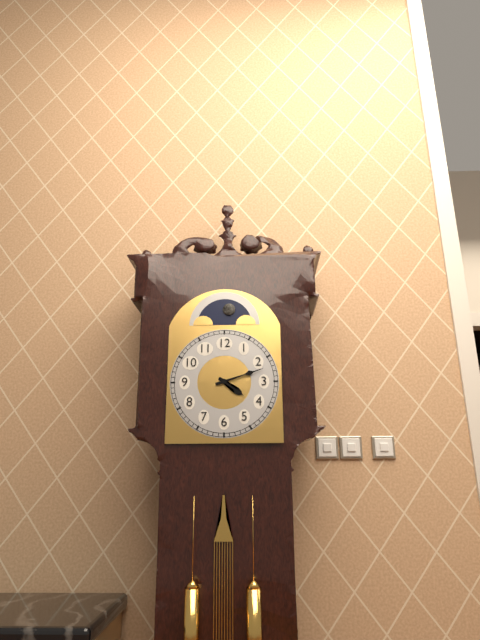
4:12
